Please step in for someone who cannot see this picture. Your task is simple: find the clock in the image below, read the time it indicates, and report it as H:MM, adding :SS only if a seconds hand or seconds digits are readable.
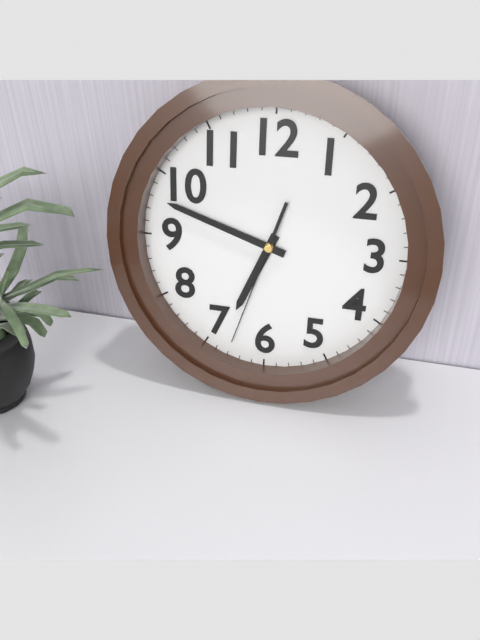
6:48:33
